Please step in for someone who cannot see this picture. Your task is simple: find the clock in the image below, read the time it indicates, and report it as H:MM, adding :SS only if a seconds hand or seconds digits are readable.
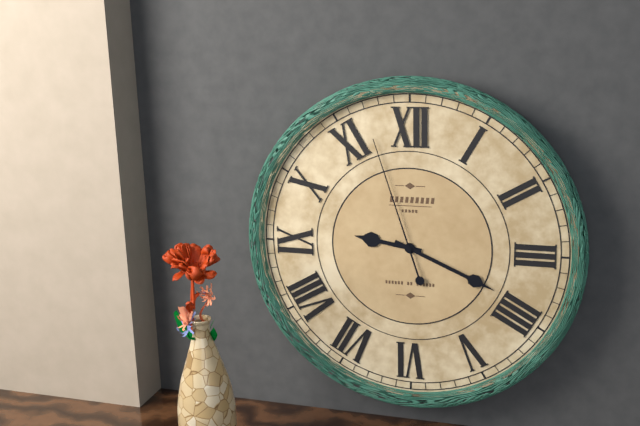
9:19:57
